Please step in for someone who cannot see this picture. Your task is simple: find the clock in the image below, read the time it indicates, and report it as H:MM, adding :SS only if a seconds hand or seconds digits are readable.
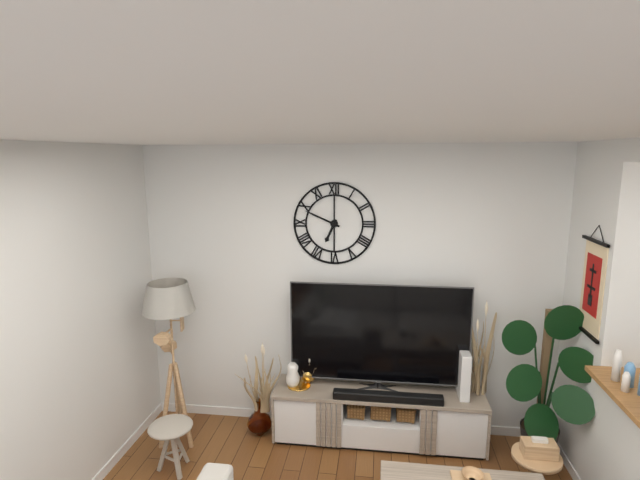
6:49
